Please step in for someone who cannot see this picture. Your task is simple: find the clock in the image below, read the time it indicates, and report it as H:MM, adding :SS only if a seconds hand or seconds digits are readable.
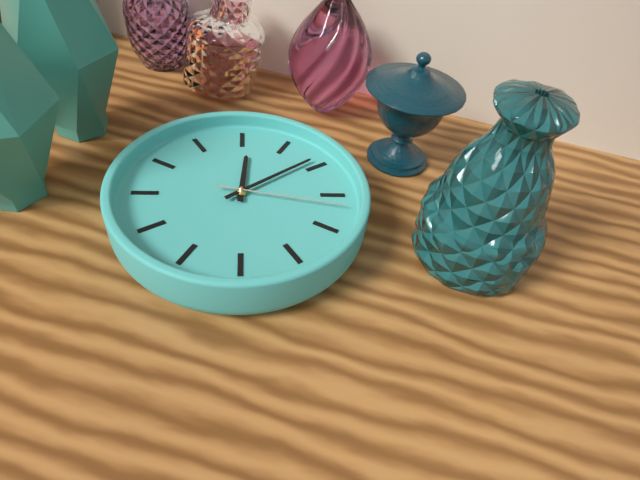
12:09:17
